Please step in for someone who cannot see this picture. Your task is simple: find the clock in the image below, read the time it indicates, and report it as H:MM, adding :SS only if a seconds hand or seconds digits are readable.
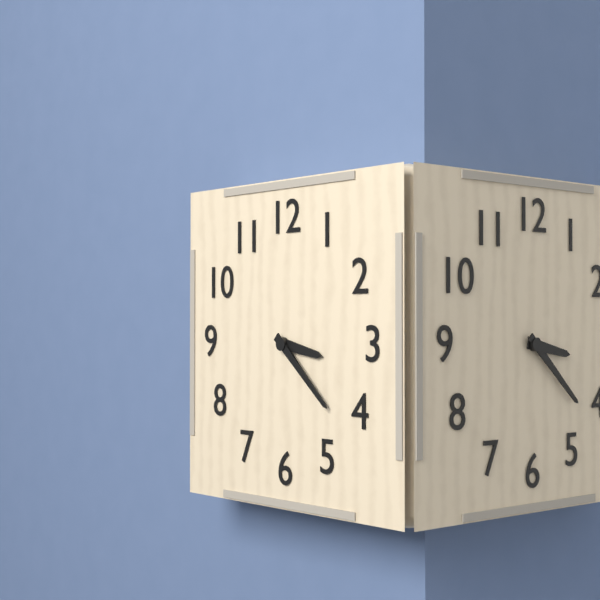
3:22
